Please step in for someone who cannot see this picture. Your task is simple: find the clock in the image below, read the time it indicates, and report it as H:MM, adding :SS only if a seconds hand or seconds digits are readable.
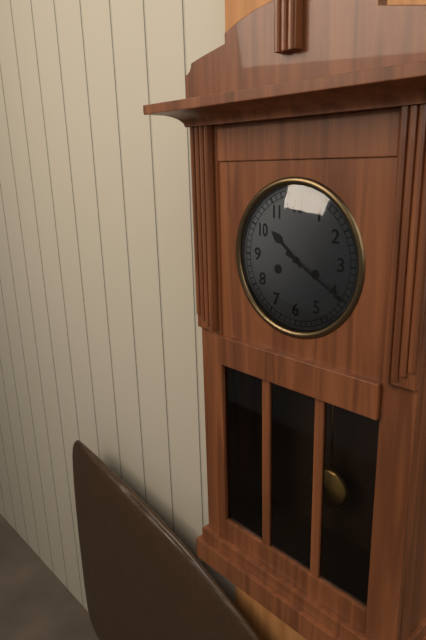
10:20
